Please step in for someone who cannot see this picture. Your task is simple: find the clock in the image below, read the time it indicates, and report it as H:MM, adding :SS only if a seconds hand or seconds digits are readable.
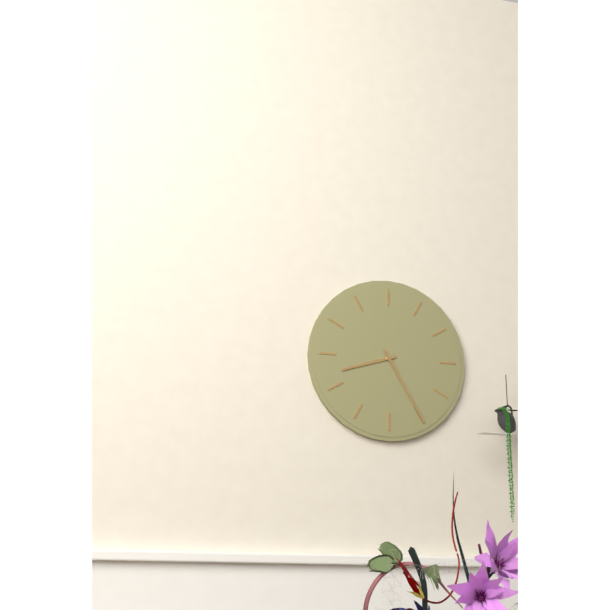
8:25
